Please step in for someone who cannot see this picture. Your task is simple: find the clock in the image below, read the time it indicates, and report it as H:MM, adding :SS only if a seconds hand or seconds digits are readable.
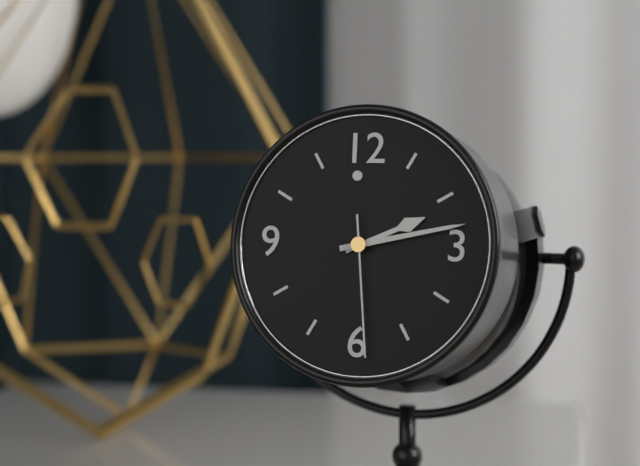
2:13:29
